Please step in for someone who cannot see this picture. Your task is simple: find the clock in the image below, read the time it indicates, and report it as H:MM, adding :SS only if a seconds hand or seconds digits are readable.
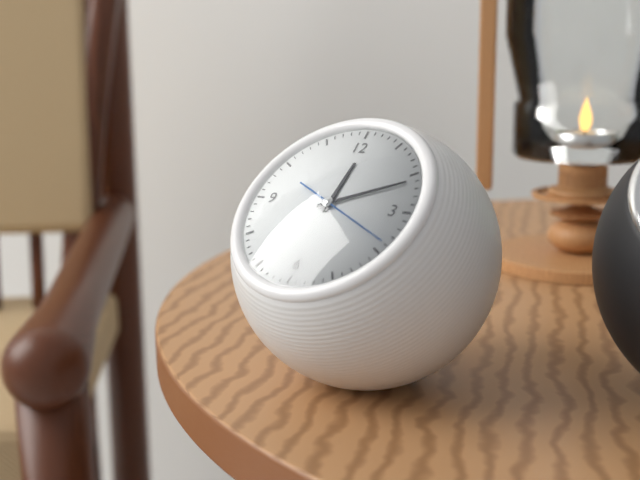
12:11
